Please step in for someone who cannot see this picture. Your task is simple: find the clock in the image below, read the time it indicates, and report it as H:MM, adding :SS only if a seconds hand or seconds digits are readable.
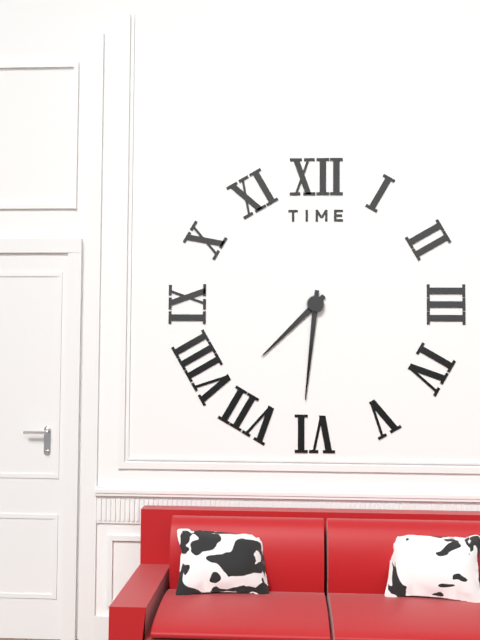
7:31
